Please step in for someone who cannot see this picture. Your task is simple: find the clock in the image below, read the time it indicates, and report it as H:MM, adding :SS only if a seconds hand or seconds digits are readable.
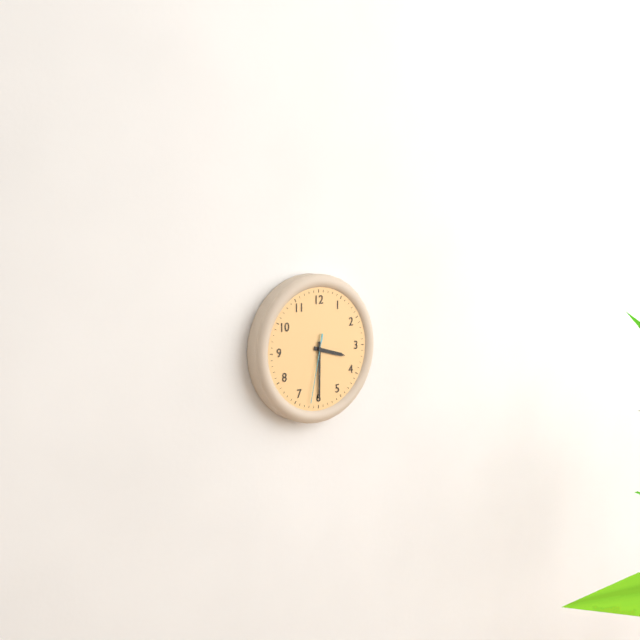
3:30:32
